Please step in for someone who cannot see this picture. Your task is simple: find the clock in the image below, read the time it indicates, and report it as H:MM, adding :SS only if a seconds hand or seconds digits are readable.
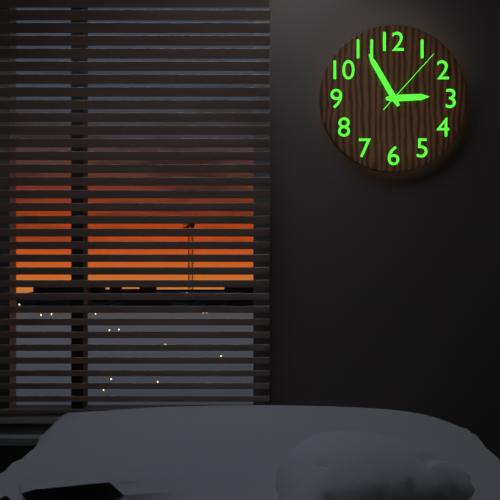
2:55:07
